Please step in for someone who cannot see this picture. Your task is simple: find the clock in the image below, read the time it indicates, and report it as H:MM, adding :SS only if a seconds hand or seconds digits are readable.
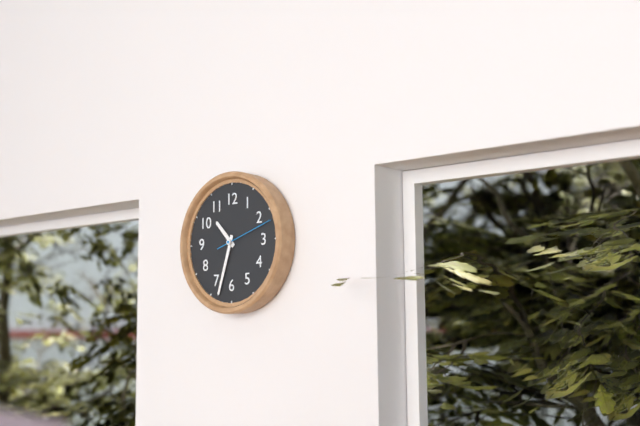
10:33:12
